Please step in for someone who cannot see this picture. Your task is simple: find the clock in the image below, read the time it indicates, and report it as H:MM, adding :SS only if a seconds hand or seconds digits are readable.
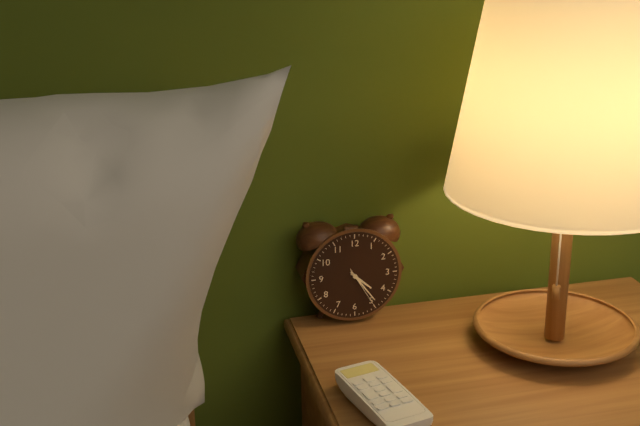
4:24
